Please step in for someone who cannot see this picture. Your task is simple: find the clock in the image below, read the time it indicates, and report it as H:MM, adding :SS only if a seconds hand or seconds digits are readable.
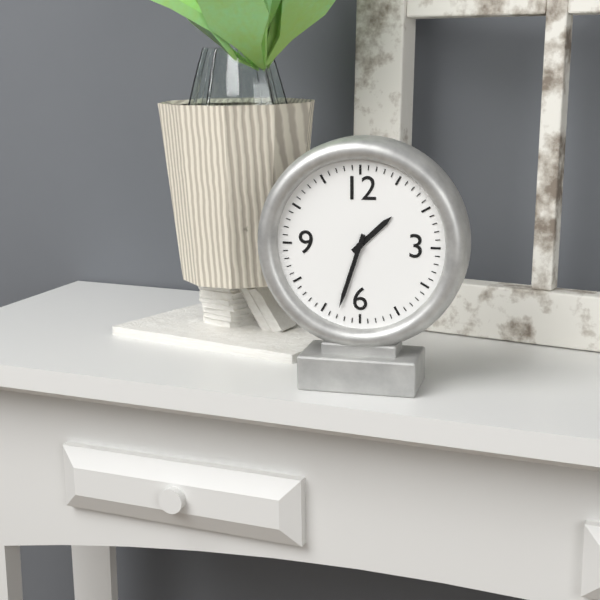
1:33
